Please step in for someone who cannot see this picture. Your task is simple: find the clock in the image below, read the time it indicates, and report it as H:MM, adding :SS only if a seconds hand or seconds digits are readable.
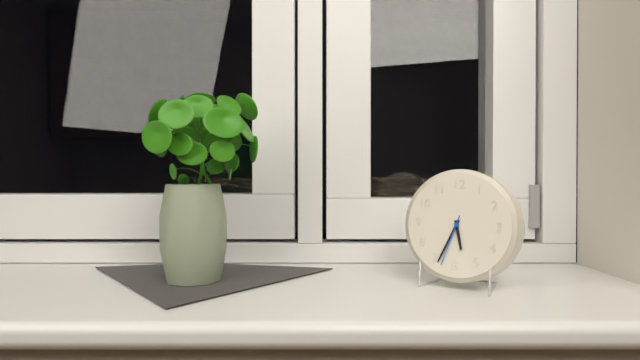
5:34:33
